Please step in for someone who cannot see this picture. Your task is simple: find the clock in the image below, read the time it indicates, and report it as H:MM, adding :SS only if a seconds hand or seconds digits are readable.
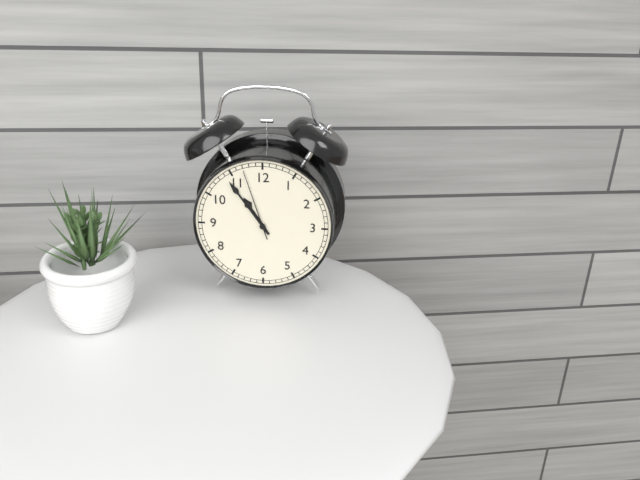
10:54:57
